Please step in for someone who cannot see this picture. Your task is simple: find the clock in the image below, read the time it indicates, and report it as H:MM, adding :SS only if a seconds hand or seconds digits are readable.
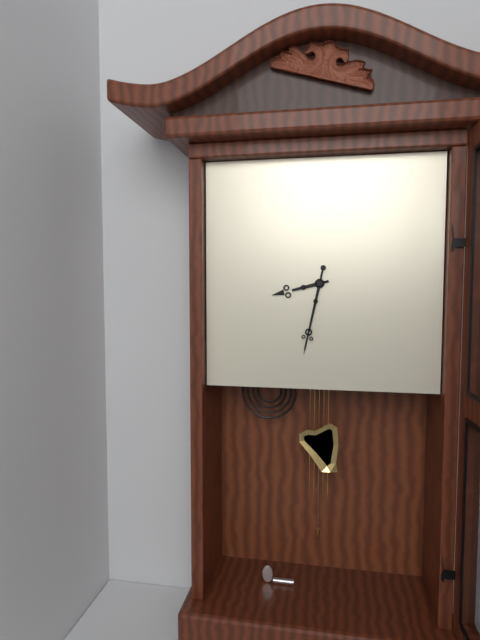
8:32
